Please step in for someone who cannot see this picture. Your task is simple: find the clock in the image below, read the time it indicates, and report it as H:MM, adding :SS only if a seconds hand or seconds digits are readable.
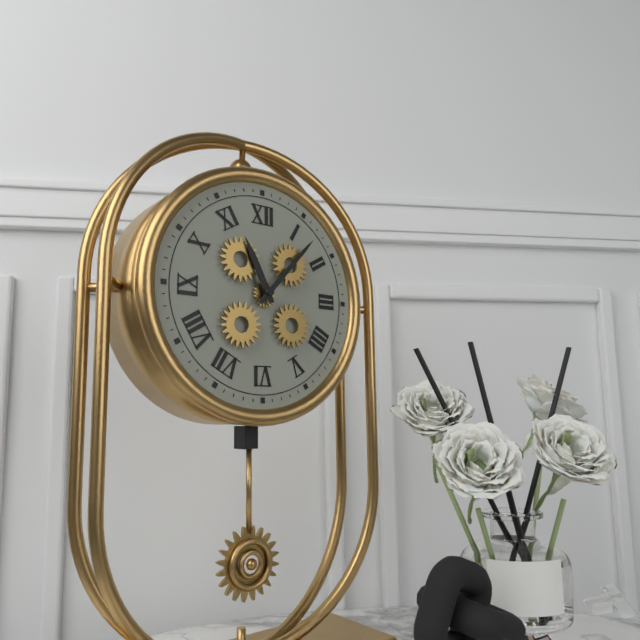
11:07
